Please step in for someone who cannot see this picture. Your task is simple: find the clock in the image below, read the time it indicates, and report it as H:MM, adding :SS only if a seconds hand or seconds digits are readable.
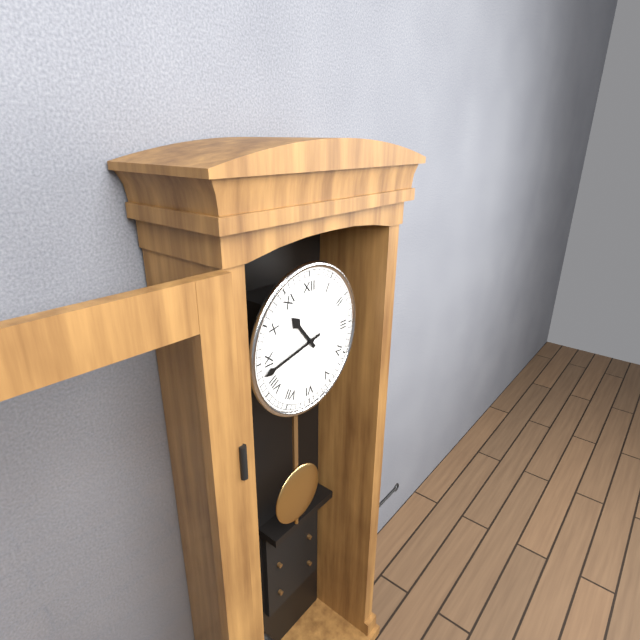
10:43
